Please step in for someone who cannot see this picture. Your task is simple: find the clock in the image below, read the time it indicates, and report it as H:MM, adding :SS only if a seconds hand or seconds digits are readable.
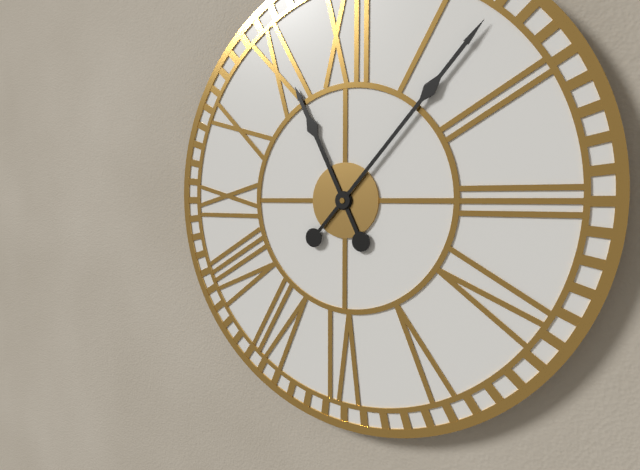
11:07
